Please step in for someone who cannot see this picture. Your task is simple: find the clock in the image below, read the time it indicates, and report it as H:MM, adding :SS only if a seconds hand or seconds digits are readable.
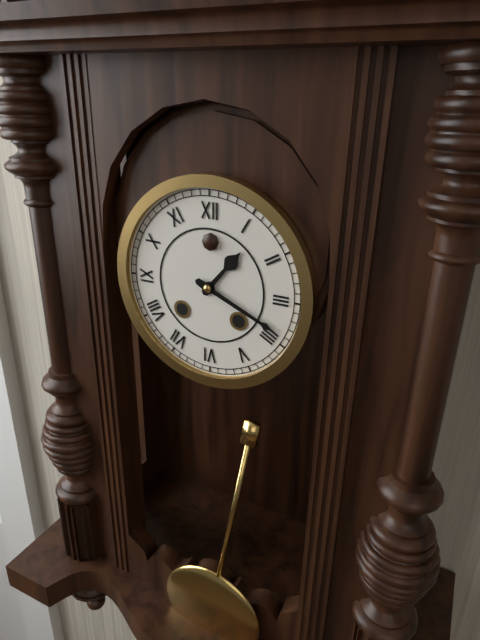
1:19
